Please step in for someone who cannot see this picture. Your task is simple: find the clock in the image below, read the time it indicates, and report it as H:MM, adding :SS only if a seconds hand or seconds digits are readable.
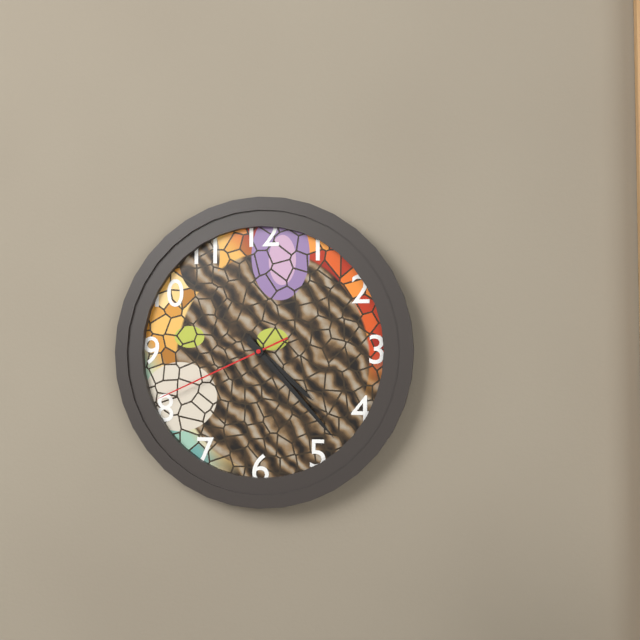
4:23:41
